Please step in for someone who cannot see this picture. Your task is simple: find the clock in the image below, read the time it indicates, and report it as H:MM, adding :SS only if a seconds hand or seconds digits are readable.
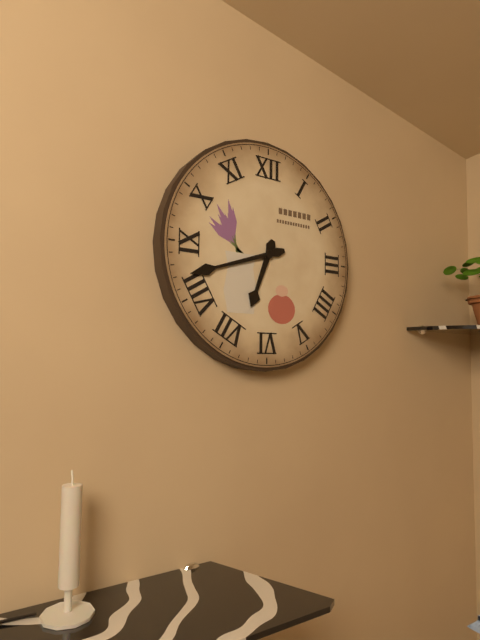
6:42
